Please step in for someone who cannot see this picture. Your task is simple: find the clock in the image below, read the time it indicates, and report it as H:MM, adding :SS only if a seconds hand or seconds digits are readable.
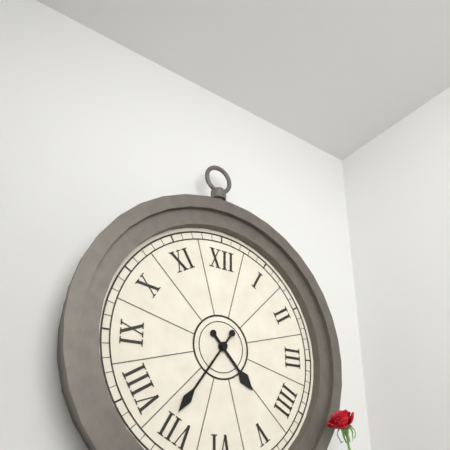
4:36
